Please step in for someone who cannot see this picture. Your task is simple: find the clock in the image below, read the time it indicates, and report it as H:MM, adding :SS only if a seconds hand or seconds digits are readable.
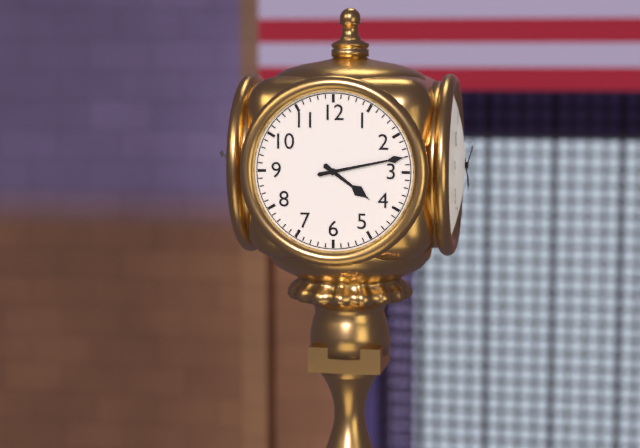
4:13
